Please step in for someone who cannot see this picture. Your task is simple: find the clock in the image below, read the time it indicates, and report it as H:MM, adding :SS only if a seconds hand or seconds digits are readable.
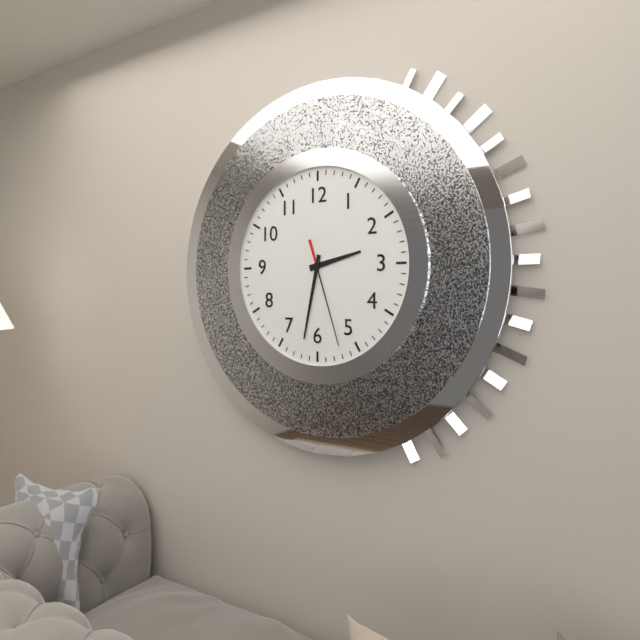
2:32:27
